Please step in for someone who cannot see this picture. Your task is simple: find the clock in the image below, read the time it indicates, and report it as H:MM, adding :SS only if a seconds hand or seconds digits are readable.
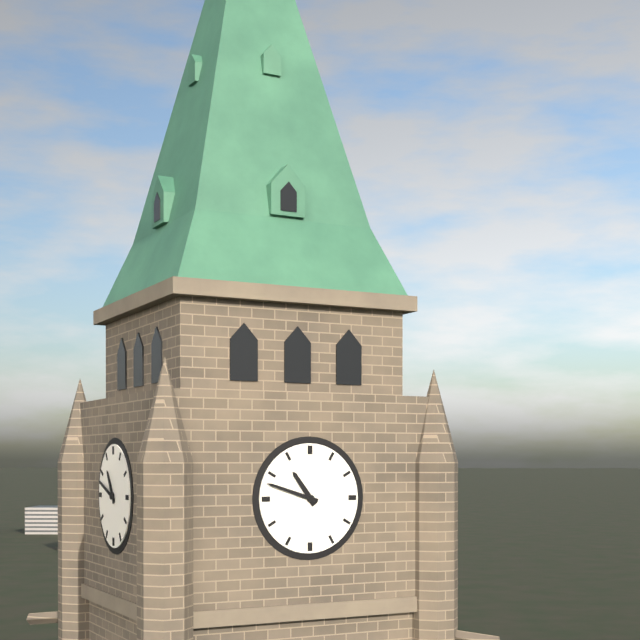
10:48
